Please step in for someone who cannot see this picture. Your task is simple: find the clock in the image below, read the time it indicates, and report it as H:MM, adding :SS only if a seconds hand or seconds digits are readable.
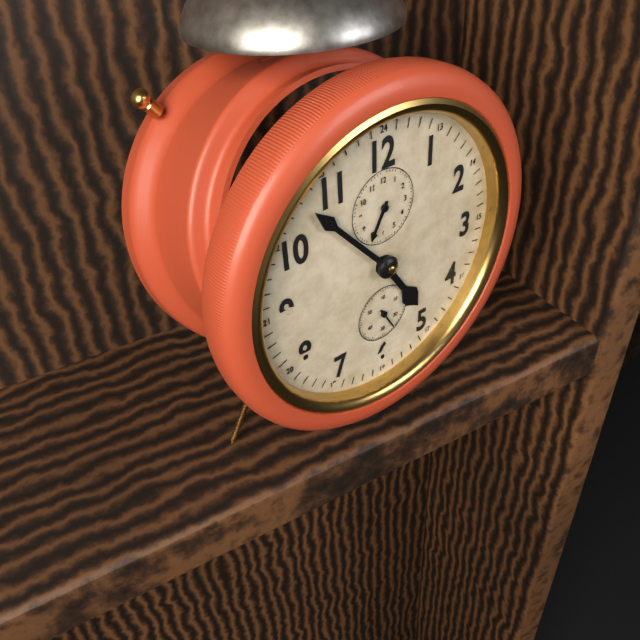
4:53
